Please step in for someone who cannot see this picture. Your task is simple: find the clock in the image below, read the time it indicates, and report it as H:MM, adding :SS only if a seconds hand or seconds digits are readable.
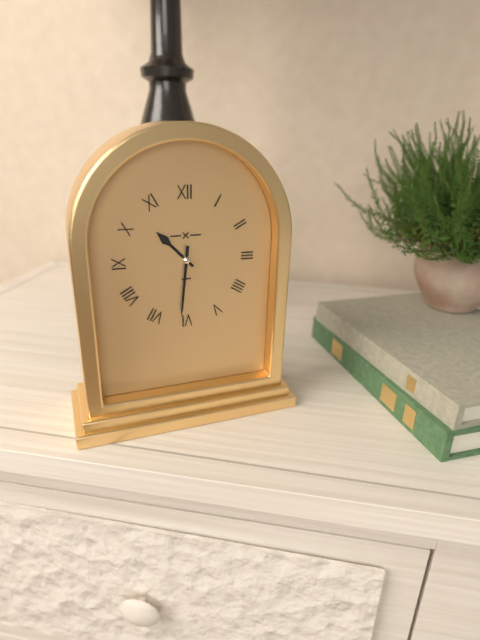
10:31
